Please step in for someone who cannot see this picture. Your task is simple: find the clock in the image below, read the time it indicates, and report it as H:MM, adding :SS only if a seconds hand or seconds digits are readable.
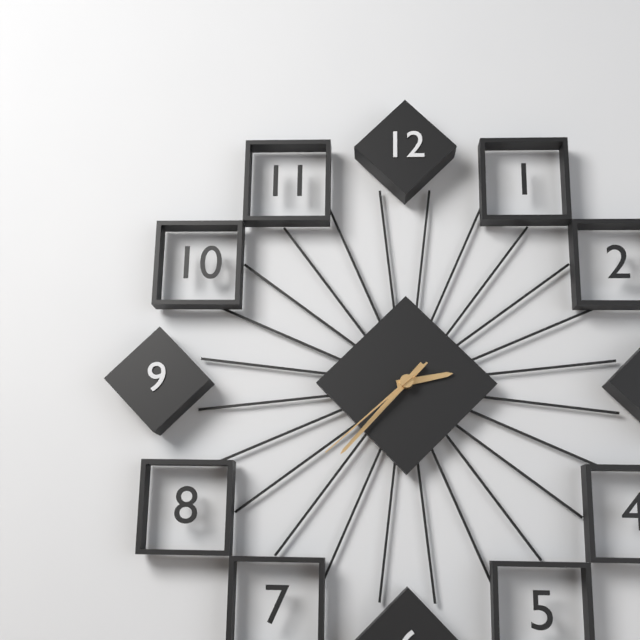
2:37:38
